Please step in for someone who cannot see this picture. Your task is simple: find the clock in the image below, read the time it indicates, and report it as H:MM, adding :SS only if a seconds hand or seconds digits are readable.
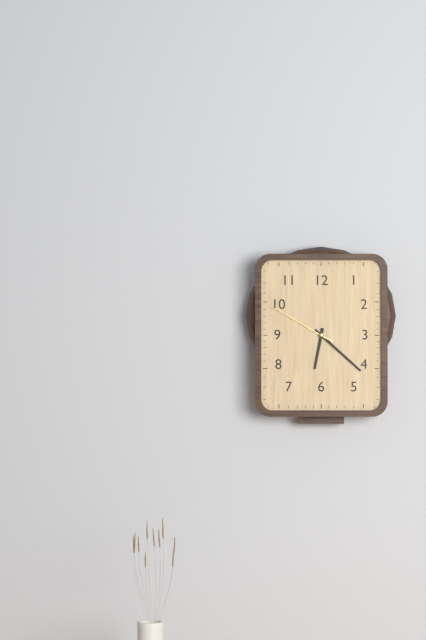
6:22:50
